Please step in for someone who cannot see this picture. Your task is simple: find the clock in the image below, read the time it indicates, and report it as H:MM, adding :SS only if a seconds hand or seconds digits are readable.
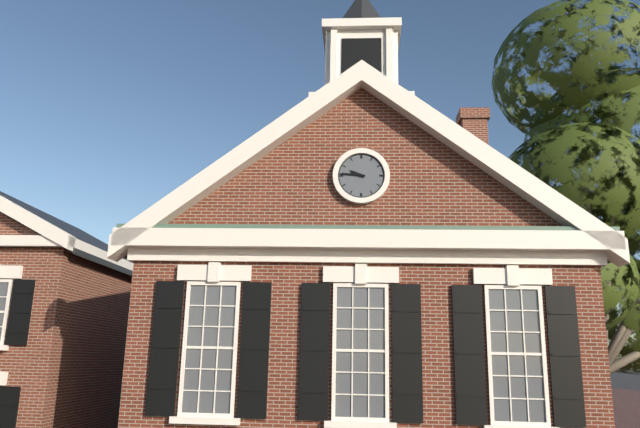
9:46
